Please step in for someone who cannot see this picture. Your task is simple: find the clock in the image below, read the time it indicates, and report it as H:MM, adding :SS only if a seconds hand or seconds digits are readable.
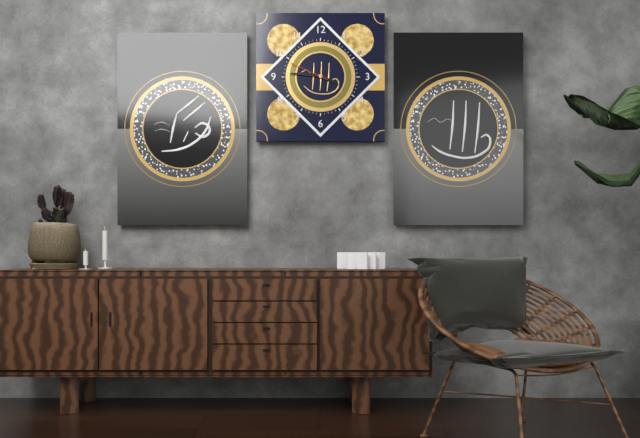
3:46
